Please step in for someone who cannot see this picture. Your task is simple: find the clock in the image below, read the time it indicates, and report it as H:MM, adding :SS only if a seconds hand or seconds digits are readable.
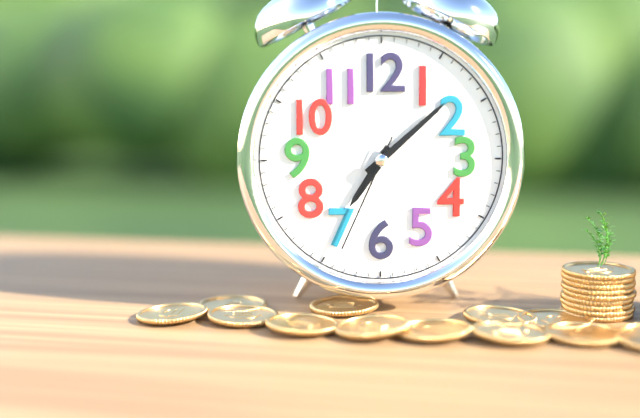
7:08:34
